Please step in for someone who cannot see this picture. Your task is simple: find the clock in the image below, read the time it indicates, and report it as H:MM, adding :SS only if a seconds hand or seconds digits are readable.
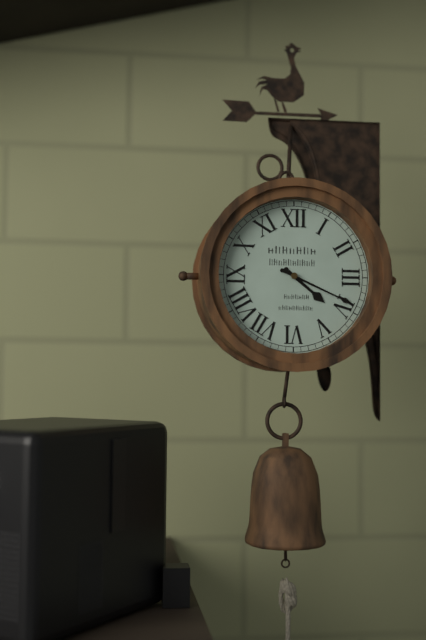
4:19
